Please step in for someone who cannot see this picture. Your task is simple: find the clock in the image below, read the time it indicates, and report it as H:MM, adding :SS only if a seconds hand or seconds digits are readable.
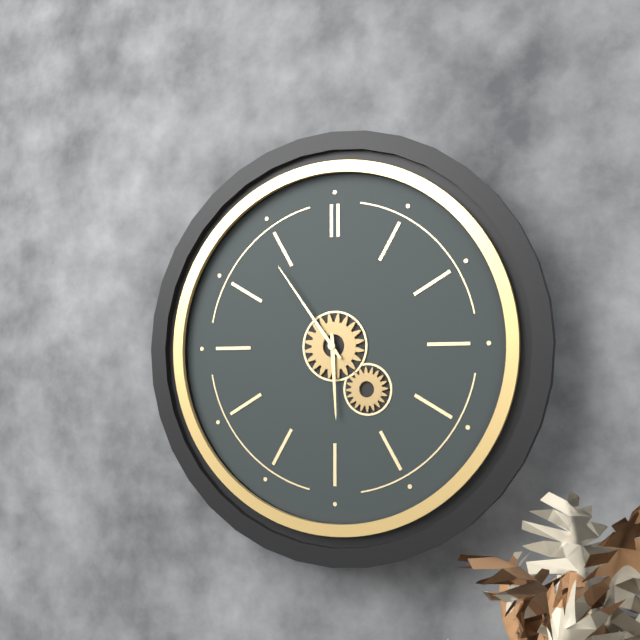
5:54
